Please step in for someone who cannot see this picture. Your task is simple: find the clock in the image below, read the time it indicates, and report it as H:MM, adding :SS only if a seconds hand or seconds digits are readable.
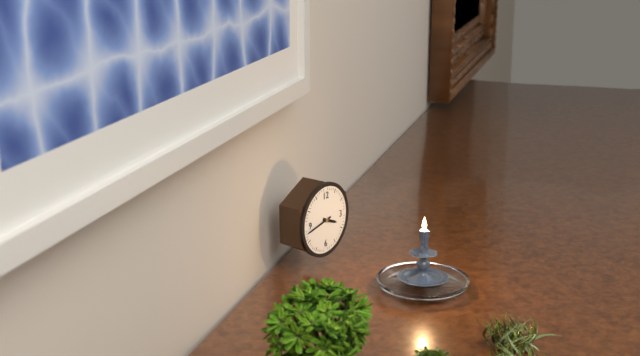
3:43
